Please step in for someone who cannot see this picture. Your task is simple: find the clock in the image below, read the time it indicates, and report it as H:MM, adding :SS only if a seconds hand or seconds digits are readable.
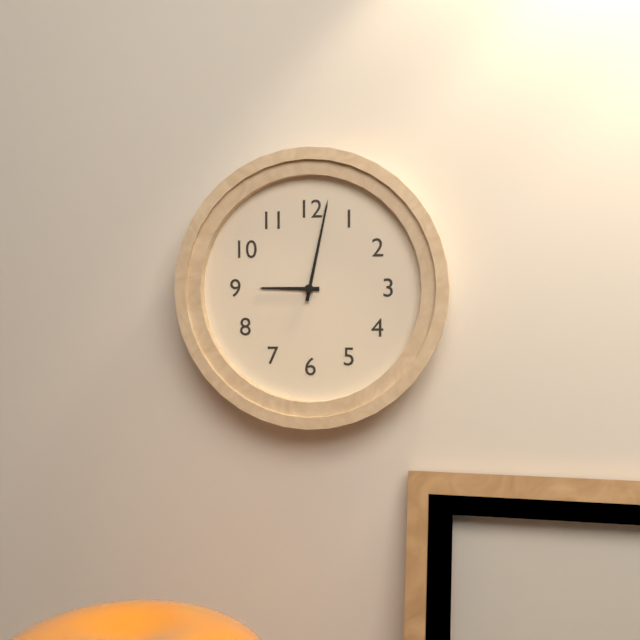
9:02
